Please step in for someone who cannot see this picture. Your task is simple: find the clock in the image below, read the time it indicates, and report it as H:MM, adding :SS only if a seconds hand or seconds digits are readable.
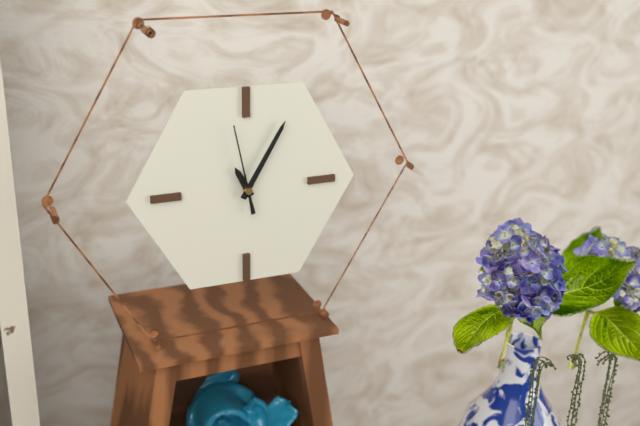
11:05:58
